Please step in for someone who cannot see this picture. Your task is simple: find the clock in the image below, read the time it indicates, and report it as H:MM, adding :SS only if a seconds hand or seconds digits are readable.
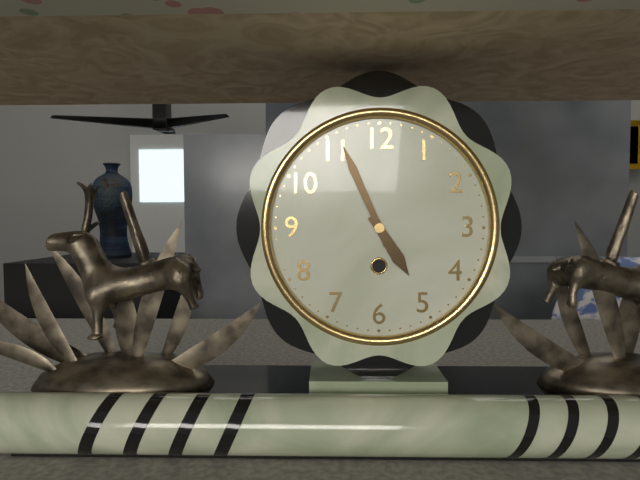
4:56
